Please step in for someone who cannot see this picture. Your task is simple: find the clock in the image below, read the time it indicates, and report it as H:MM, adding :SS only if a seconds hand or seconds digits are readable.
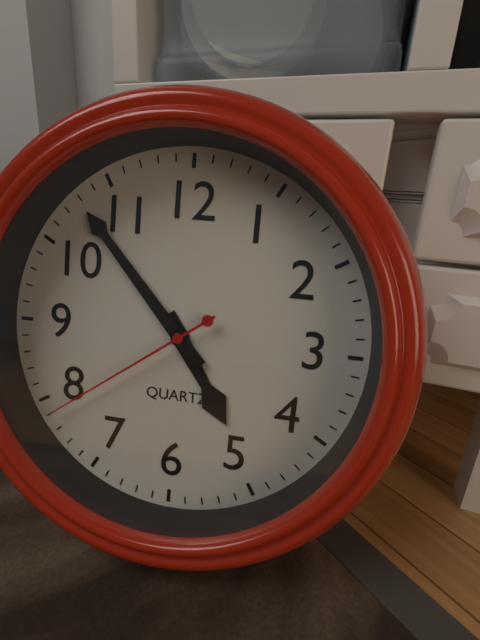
4:53:39
